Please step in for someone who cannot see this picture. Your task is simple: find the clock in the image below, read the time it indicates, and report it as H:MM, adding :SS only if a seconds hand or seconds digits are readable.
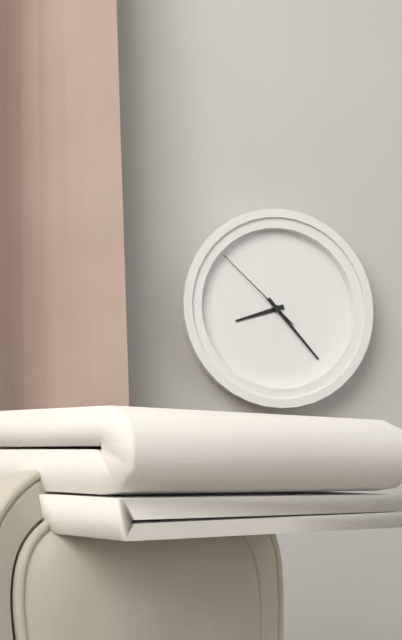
8:23:52
